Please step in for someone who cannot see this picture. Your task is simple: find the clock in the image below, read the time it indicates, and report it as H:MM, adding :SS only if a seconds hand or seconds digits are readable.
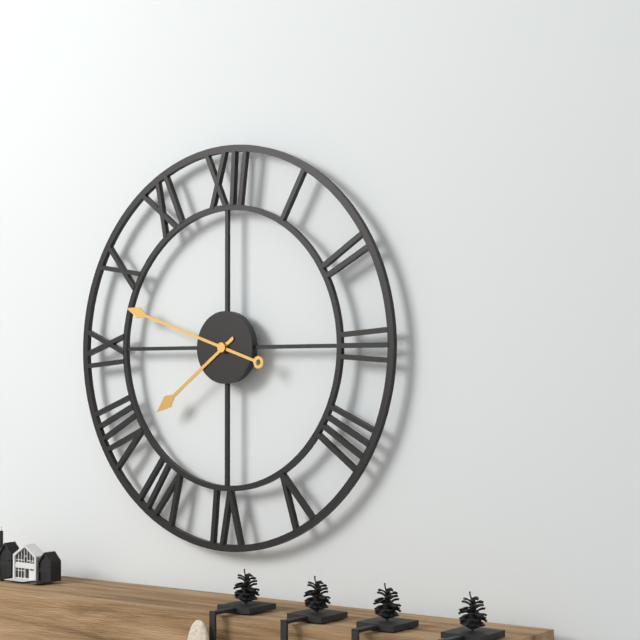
7:48
